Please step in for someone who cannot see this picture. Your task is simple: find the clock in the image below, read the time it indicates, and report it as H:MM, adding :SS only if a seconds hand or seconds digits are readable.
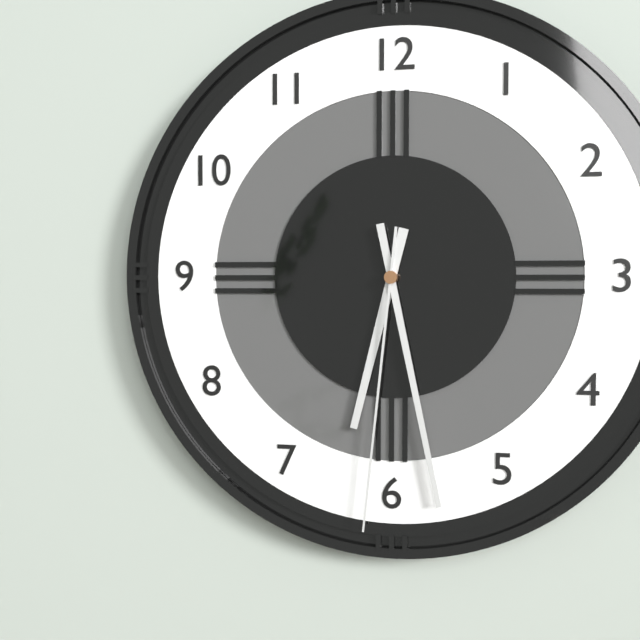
6:28:31
